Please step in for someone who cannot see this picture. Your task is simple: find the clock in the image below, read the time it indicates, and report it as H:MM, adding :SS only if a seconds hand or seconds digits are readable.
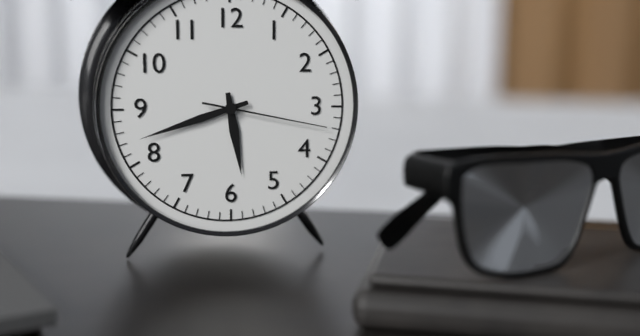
5:42:17
